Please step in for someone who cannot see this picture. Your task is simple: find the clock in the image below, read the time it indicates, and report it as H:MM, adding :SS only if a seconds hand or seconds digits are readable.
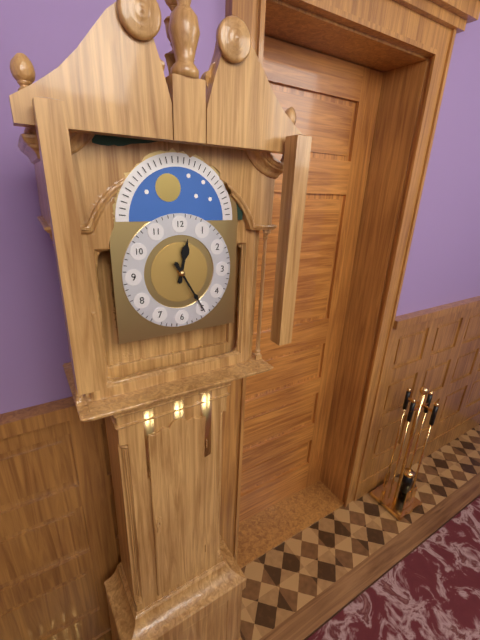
12:25
